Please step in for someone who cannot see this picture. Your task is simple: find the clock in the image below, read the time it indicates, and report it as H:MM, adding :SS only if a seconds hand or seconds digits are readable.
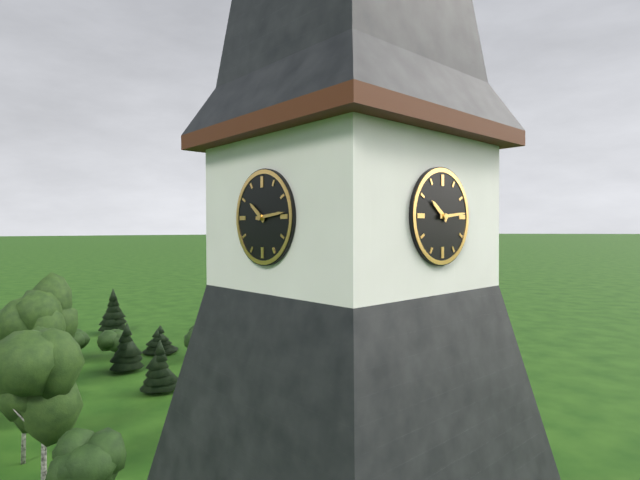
10:14
